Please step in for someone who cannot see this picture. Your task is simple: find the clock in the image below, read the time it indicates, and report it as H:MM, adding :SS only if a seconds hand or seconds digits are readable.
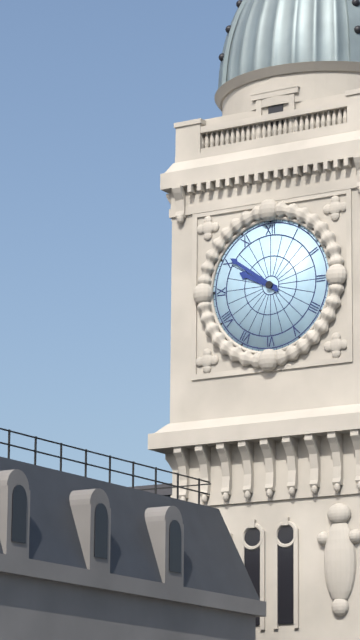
9:51
